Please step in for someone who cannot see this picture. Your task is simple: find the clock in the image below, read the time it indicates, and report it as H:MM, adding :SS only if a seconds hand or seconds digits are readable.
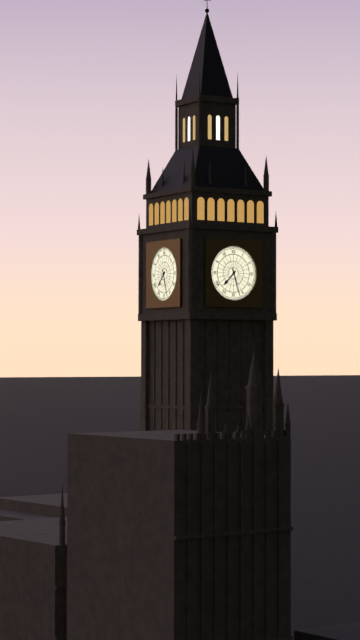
7:27
